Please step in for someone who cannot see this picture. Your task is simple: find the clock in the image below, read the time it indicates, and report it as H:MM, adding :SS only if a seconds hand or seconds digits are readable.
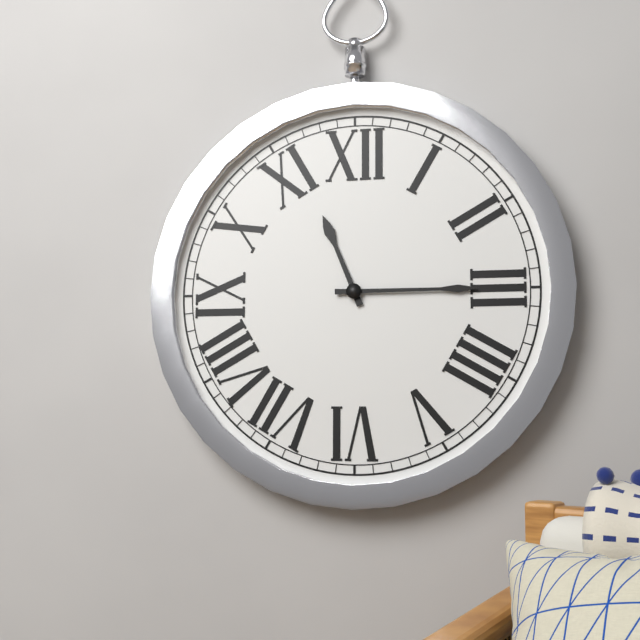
11:15
